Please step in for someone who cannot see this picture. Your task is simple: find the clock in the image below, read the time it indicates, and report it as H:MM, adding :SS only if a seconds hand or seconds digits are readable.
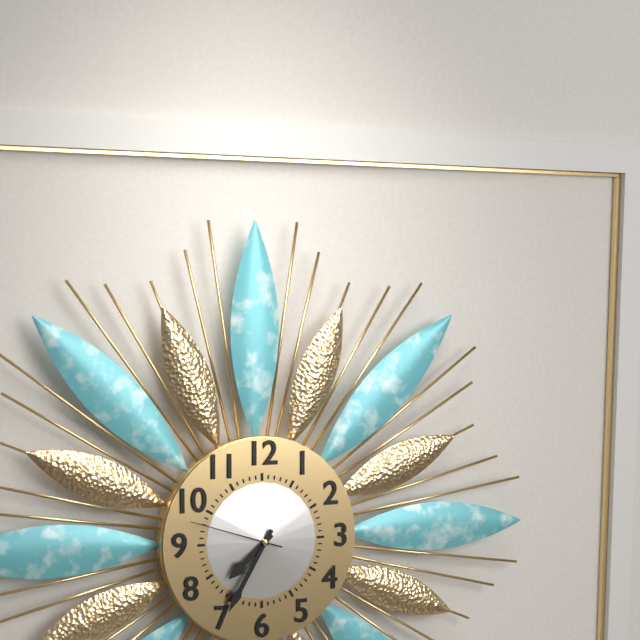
7:35:48
